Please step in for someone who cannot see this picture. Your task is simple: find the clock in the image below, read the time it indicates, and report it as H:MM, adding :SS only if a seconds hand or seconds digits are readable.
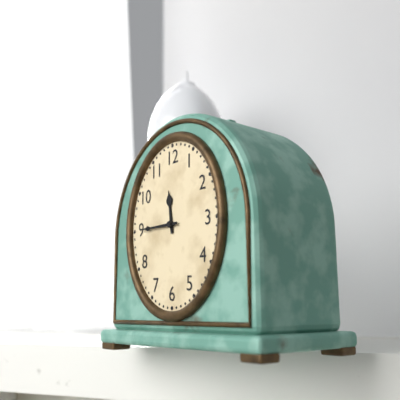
11:45
